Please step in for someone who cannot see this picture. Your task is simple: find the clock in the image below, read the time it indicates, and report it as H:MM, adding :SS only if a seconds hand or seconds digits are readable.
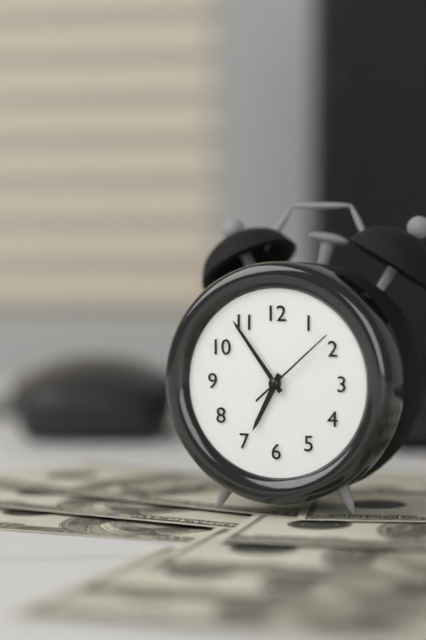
6:54:08
